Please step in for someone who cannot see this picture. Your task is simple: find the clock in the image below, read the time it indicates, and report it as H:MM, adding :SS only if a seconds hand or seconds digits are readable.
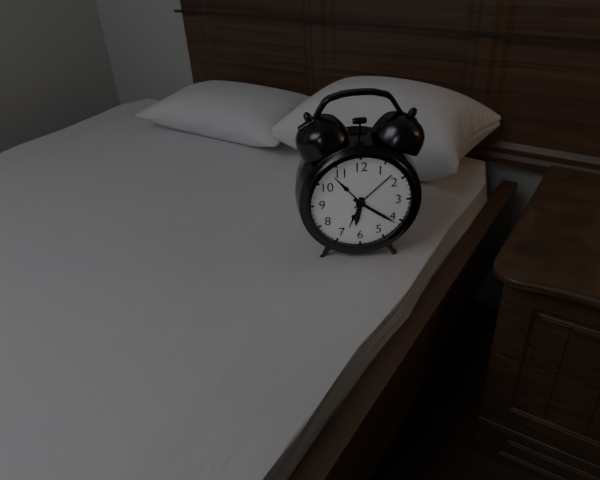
6:21
